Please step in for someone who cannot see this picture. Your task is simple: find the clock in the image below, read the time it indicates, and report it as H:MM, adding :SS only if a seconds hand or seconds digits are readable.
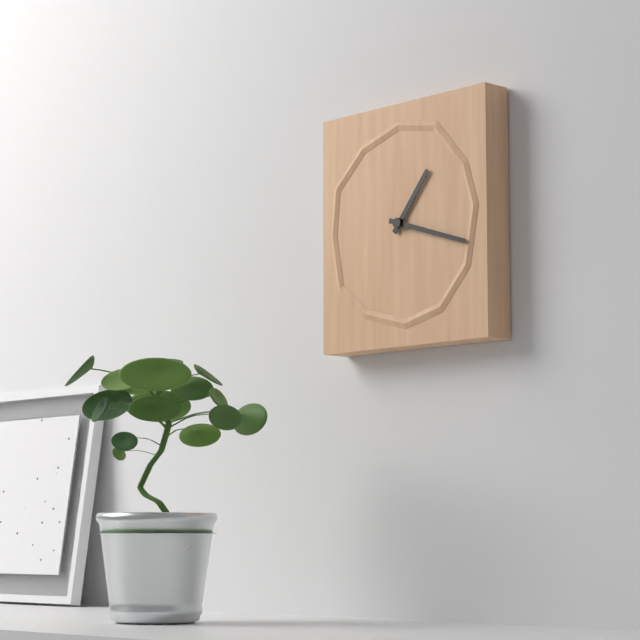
1:18
